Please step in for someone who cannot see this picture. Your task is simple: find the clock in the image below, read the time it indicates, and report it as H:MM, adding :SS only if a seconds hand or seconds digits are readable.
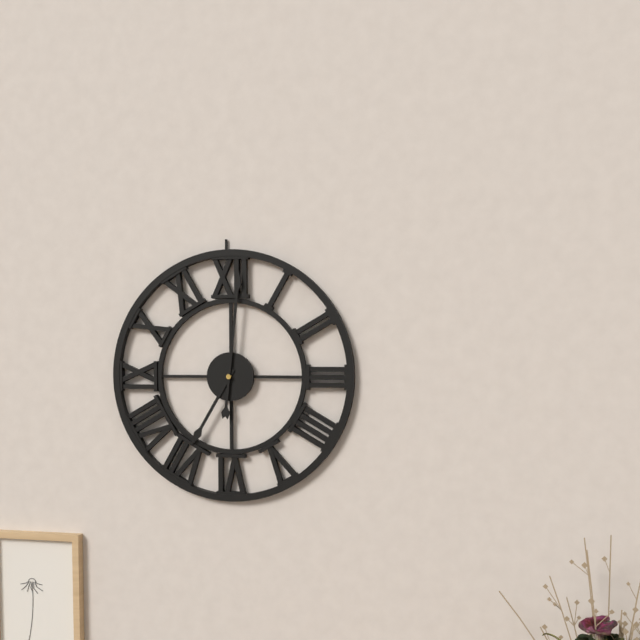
7:01
